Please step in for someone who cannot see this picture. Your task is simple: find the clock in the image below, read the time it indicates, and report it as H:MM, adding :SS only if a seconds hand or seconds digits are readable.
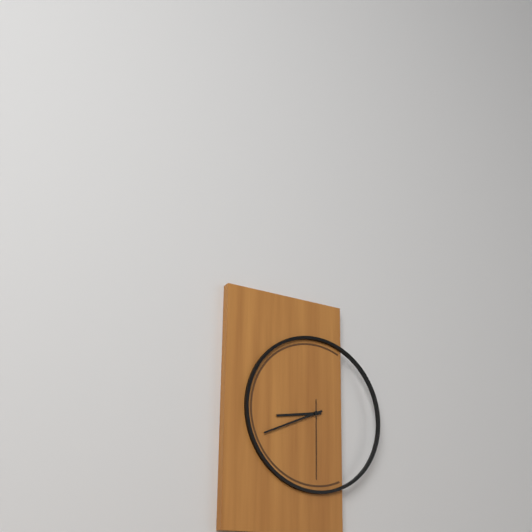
8:41:30
